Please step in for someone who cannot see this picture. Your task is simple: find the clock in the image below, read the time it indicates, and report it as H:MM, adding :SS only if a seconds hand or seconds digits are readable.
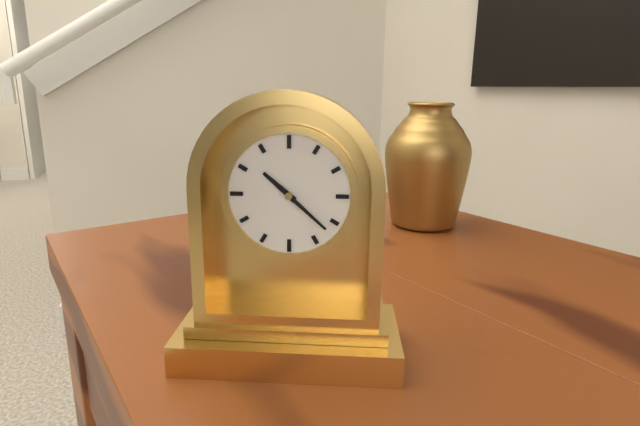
10:22
